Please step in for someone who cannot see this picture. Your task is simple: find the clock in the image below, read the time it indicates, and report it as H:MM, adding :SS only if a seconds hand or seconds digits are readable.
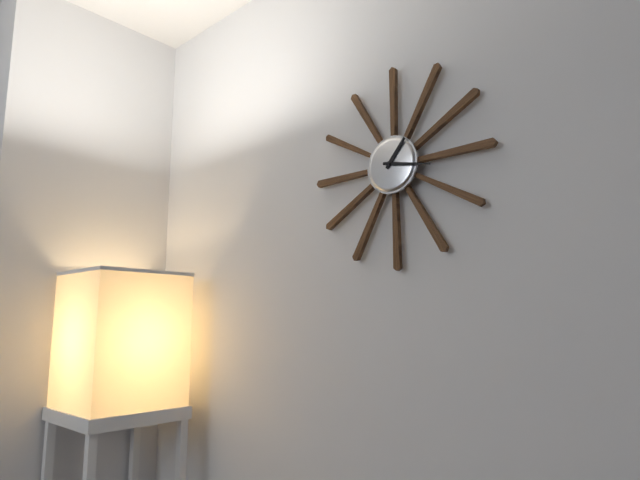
1:17
